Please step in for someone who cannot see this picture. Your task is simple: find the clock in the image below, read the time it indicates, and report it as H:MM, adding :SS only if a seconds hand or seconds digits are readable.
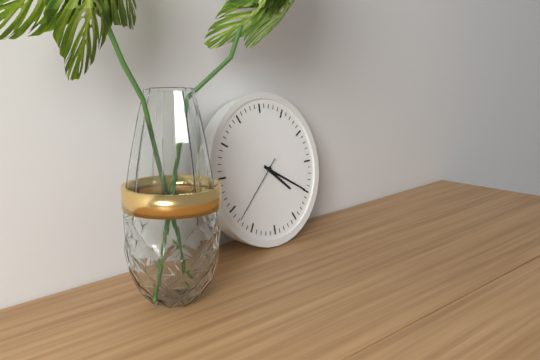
4:20:38
